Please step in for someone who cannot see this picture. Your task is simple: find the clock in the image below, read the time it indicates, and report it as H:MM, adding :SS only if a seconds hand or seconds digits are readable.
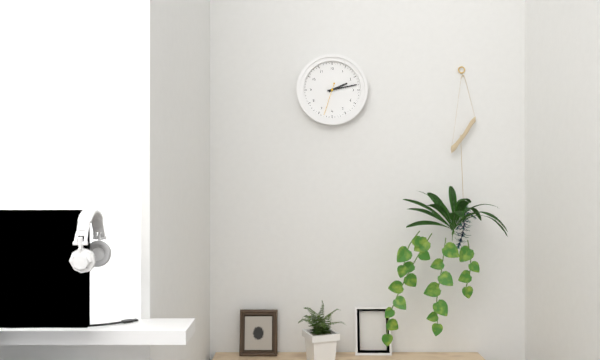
2:13
